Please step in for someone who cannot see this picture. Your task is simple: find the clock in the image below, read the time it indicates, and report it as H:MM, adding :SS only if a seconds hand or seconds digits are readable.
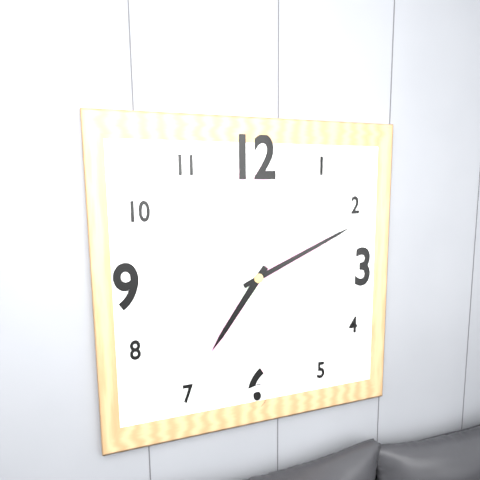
7:11
